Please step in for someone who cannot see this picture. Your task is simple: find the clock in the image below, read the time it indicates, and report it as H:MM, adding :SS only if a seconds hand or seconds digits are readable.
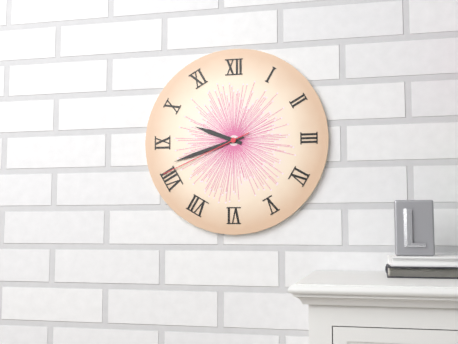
9:42:41
